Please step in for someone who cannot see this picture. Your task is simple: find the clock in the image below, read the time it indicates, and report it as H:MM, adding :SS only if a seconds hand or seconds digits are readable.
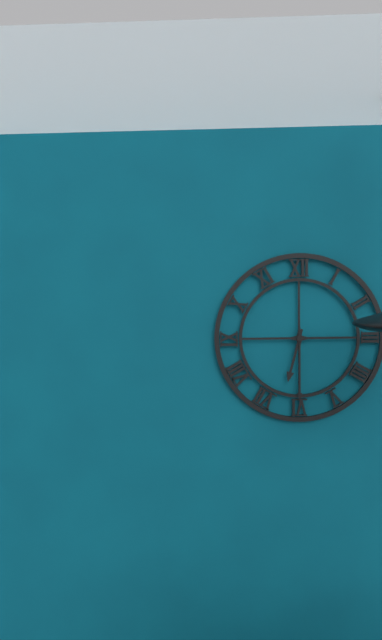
6:30
